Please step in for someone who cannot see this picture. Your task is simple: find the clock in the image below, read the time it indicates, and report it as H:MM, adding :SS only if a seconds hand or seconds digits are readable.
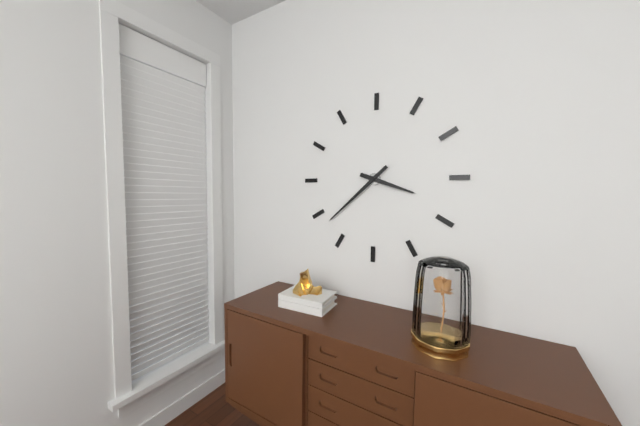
3:38
